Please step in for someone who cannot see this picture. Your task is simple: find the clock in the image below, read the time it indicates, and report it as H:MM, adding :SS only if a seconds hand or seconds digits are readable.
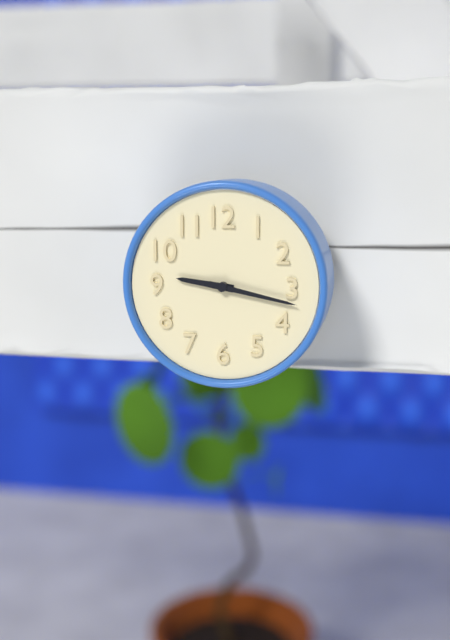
9:17
